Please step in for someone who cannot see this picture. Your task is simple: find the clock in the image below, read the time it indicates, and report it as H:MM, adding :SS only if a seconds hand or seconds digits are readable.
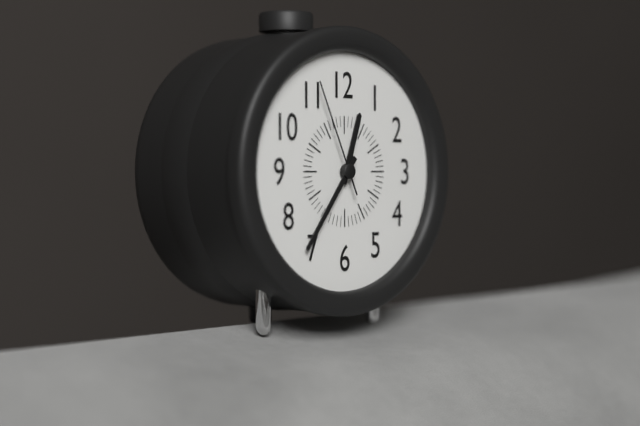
12:36:56
